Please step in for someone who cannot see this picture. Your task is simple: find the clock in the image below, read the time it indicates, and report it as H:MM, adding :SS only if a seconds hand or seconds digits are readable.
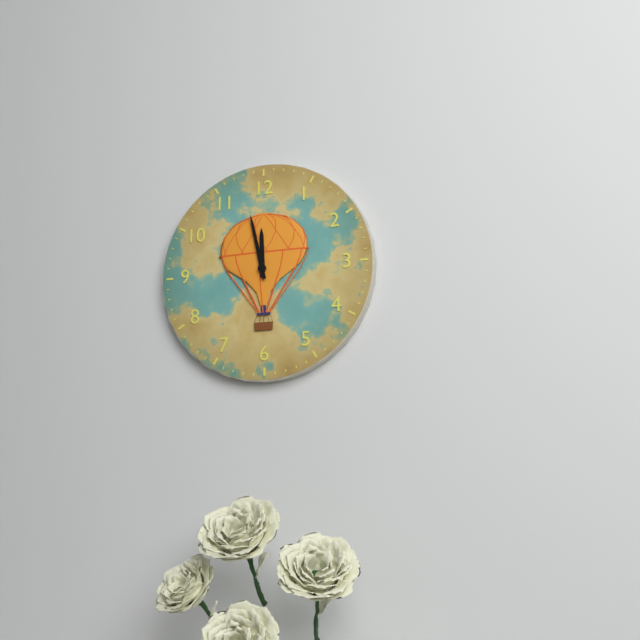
11:58
